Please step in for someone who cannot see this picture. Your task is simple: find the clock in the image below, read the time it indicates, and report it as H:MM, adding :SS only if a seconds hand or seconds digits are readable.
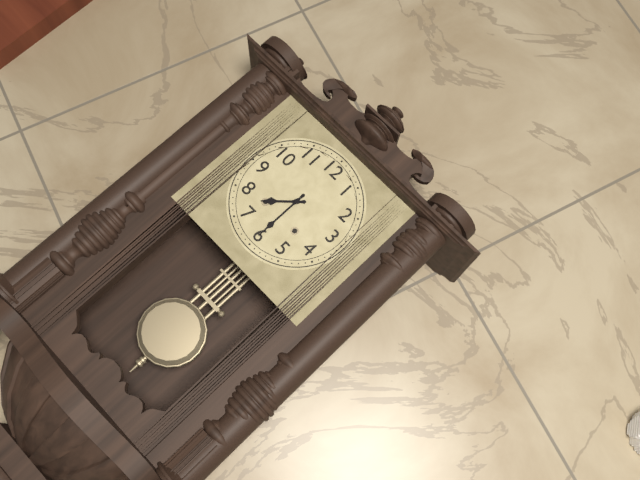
7:30
